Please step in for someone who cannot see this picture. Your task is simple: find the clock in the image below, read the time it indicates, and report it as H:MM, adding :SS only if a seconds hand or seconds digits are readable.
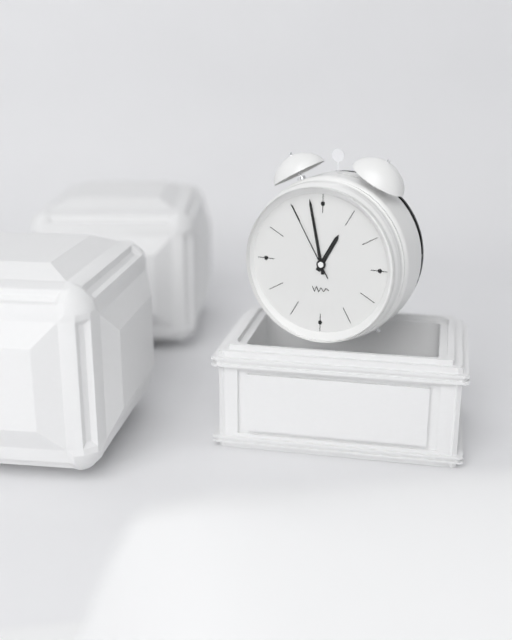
12:58:55
